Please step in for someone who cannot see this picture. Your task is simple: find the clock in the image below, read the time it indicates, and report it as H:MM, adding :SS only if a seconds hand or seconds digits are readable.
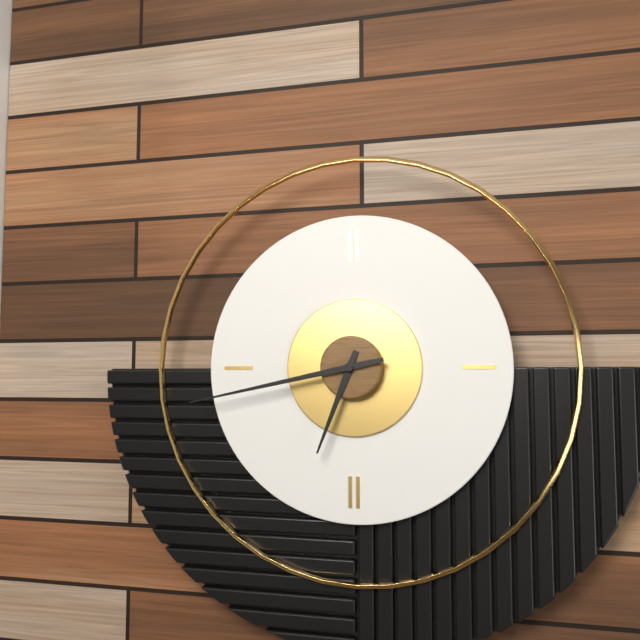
6:43
